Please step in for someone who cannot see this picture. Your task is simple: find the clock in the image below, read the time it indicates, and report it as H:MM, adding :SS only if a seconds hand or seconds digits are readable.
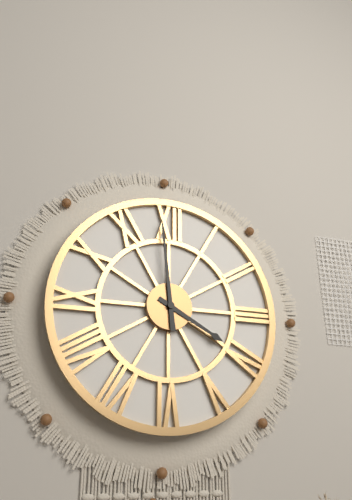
3:59
